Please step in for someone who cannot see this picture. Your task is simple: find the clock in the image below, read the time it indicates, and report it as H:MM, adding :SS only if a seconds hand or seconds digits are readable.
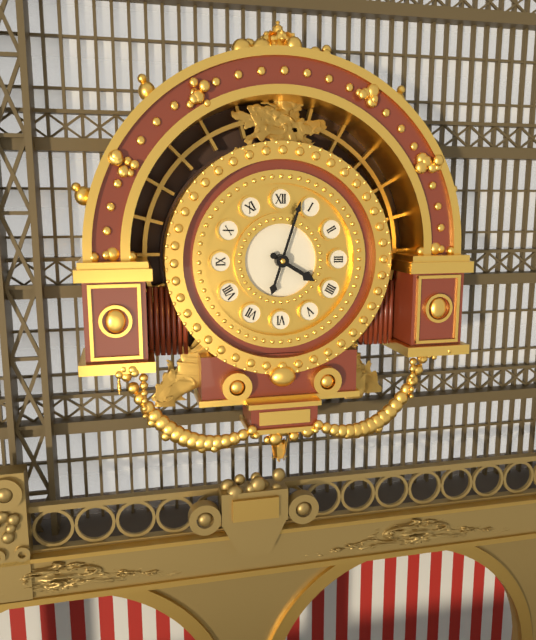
4:03
